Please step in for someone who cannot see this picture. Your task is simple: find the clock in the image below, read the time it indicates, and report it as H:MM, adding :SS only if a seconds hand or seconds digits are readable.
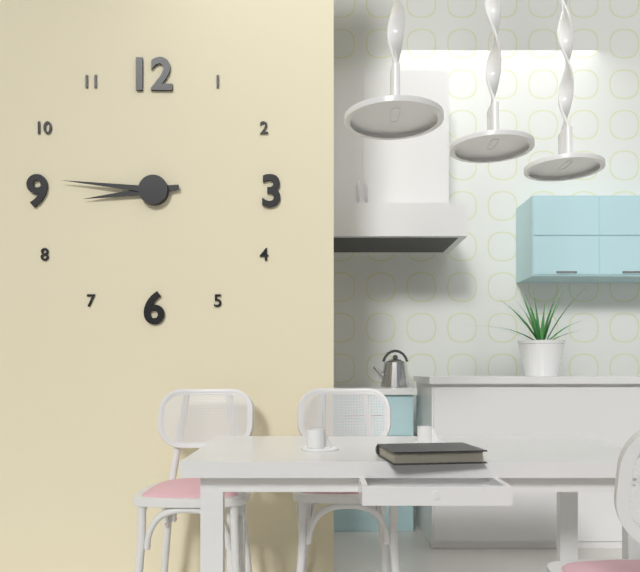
8:46
